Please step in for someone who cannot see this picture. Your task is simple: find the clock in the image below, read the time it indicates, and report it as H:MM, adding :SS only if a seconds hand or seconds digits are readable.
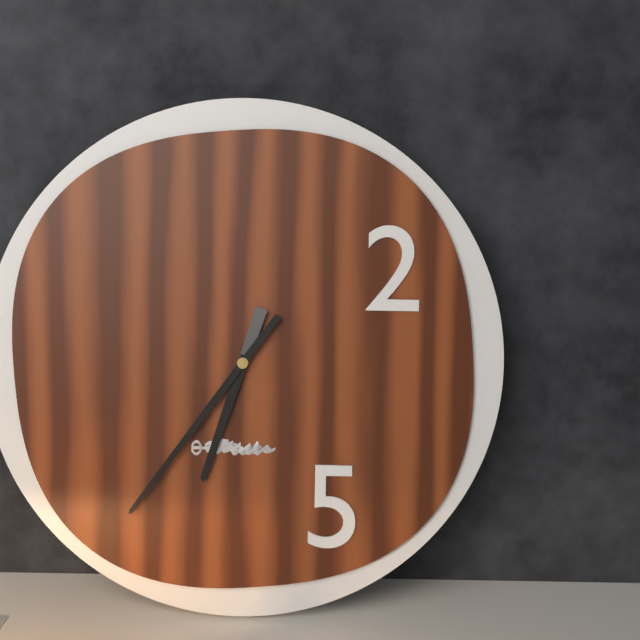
6:36
